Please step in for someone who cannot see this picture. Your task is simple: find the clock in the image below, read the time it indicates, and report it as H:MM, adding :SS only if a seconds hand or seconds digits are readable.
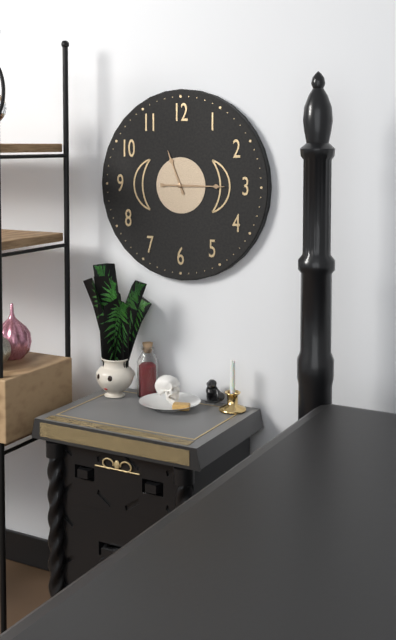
11:15
